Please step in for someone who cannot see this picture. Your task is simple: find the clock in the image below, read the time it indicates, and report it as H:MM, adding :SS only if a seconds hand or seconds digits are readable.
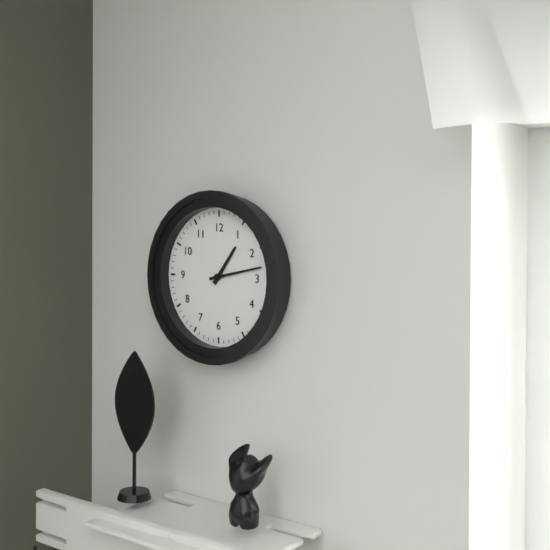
1:13
